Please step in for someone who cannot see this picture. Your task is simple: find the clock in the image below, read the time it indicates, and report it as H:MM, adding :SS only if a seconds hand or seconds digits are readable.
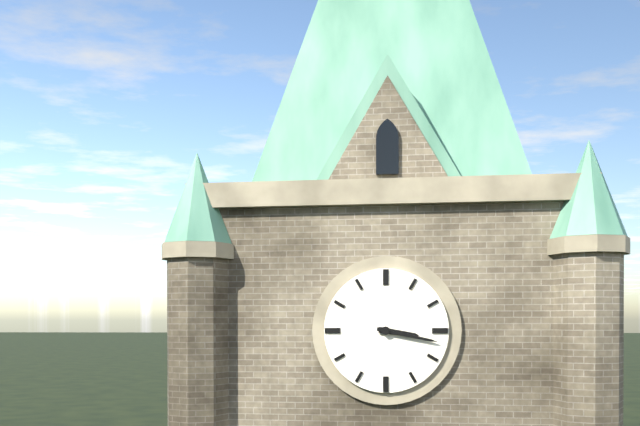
3:17
